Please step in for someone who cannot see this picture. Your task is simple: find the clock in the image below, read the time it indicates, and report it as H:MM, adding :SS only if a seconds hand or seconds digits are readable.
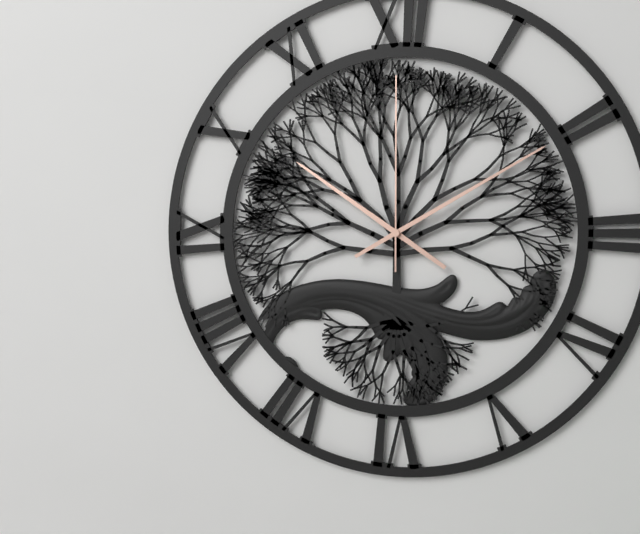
10:10:00
